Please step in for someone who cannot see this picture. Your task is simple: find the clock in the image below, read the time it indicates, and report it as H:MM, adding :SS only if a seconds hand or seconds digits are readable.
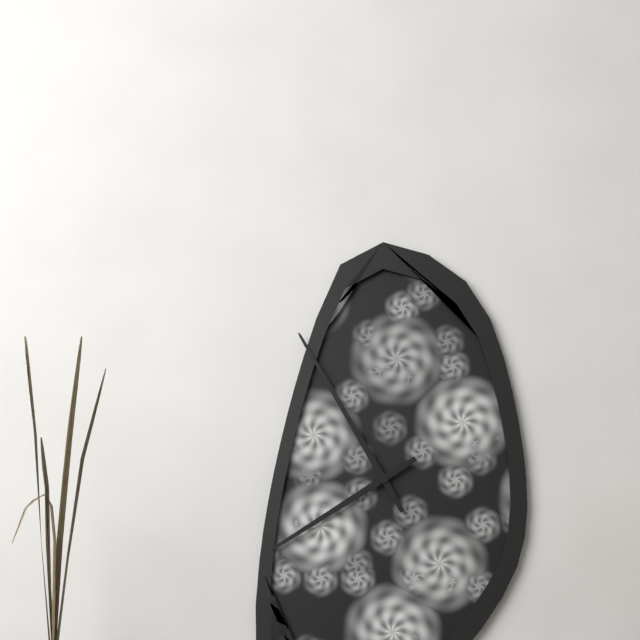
7:55
